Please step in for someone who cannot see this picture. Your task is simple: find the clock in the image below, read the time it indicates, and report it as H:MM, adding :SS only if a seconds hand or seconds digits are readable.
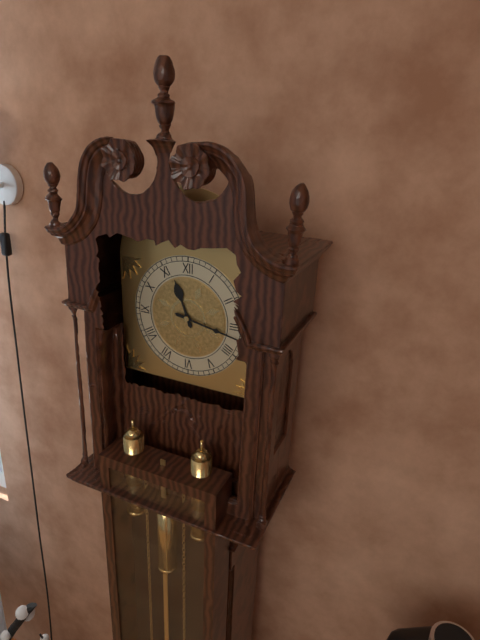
11:17
